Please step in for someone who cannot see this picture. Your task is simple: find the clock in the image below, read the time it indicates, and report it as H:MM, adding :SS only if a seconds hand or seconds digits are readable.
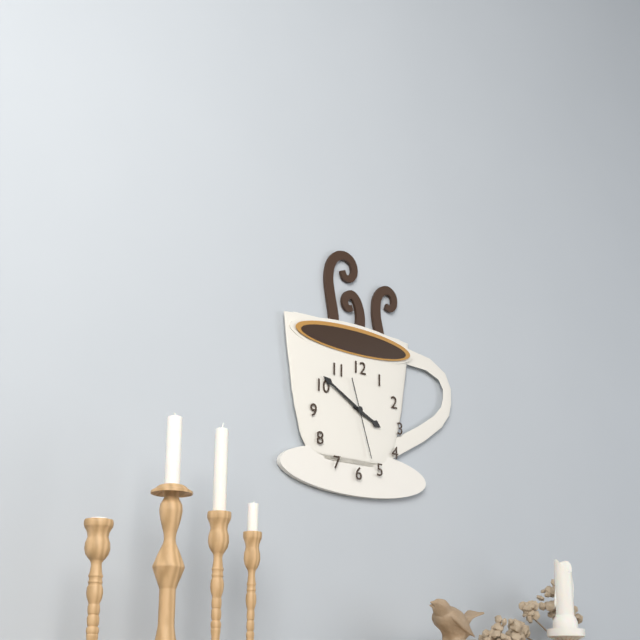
3:50:27
